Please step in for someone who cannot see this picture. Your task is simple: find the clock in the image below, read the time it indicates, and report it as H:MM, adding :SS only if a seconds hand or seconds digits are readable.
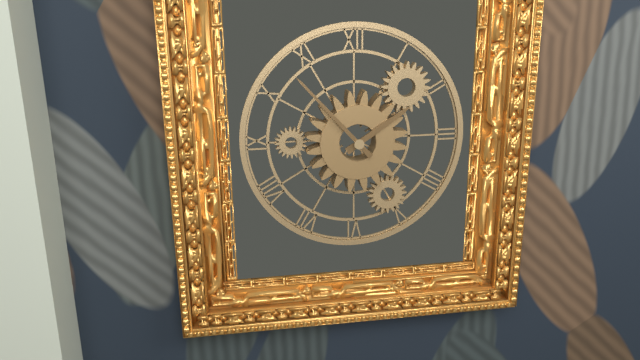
1:53
